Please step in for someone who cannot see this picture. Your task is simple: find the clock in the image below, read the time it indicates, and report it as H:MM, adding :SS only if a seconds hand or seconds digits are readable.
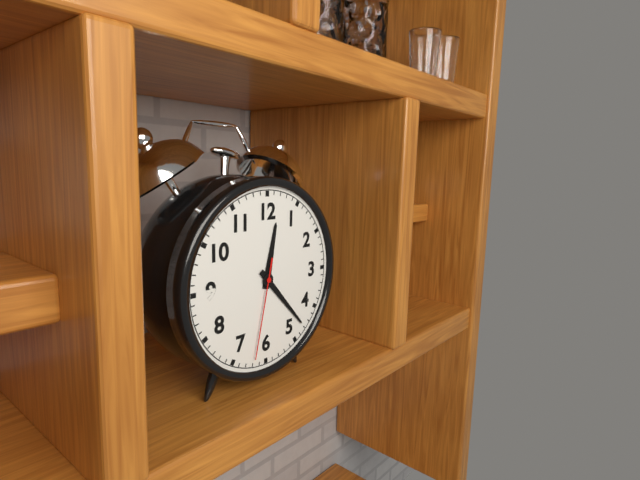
12:23:32
